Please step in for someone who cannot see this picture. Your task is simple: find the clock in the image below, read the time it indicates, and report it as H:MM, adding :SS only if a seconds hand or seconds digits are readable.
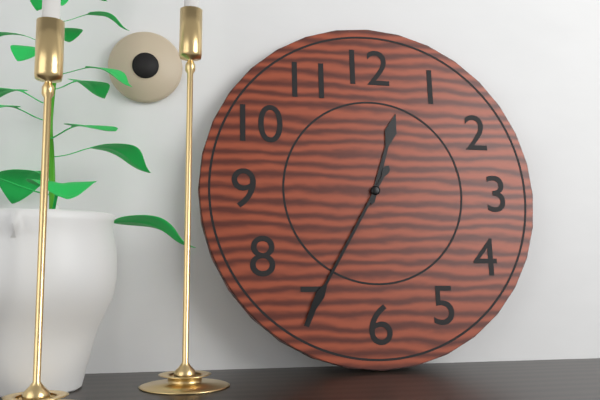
12:35
